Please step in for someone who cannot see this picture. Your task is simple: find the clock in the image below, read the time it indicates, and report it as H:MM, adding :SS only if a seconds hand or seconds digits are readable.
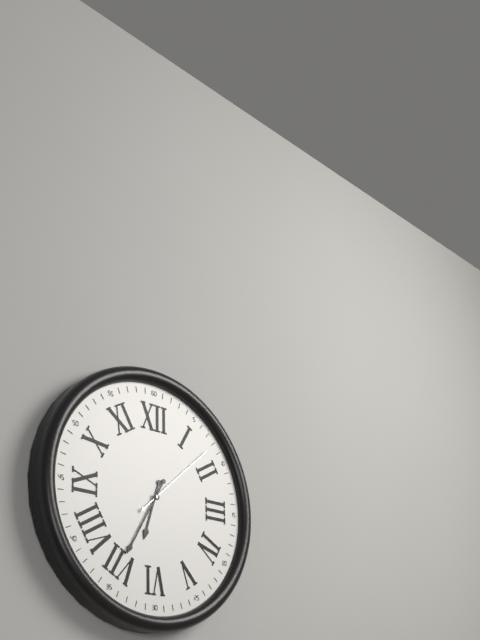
6:35:08
